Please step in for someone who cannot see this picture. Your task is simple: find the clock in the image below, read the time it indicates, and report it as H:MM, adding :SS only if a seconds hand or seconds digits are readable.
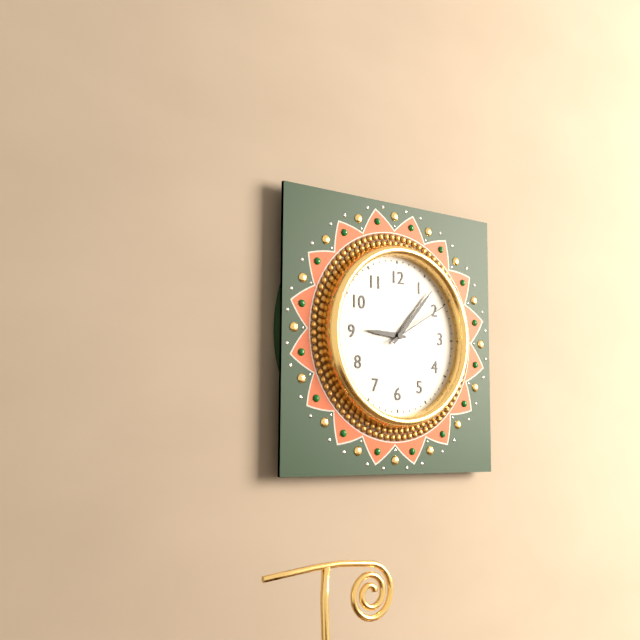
9:07:10
